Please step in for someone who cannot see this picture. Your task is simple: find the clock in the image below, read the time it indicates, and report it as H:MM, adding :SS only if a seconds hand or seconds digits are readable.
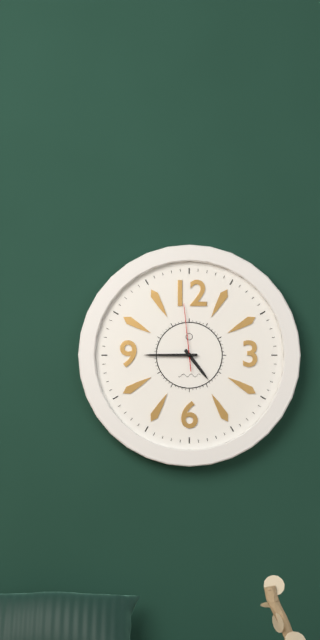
4:45:59
